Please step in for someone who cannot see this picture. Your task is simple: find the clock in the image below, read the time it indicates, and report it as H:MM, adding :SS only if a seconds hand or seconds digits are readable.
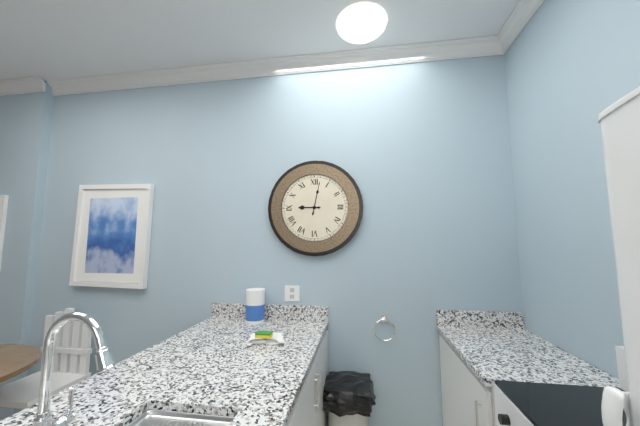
9:02
